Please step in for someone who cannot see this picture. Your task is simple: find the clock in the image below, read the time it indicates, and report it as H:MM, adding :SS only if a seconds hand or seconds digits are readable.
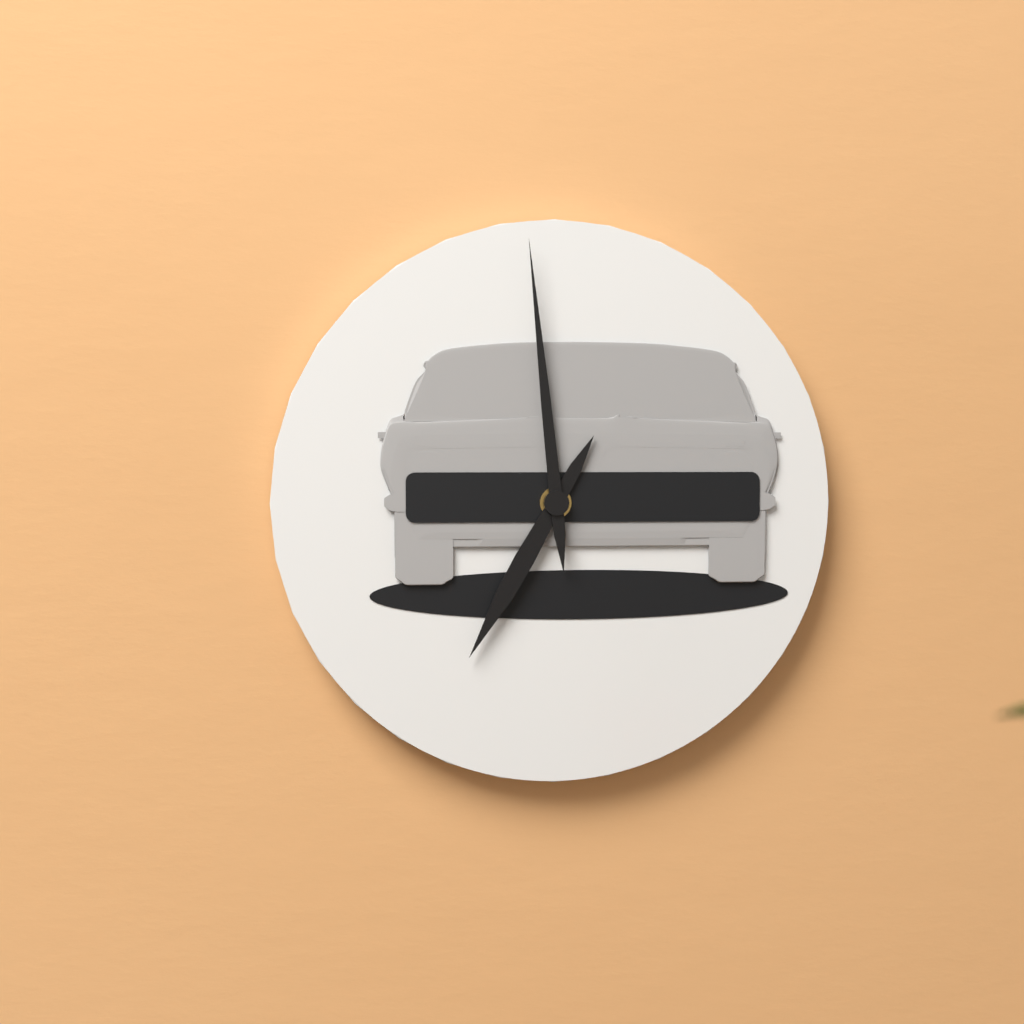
6:59
